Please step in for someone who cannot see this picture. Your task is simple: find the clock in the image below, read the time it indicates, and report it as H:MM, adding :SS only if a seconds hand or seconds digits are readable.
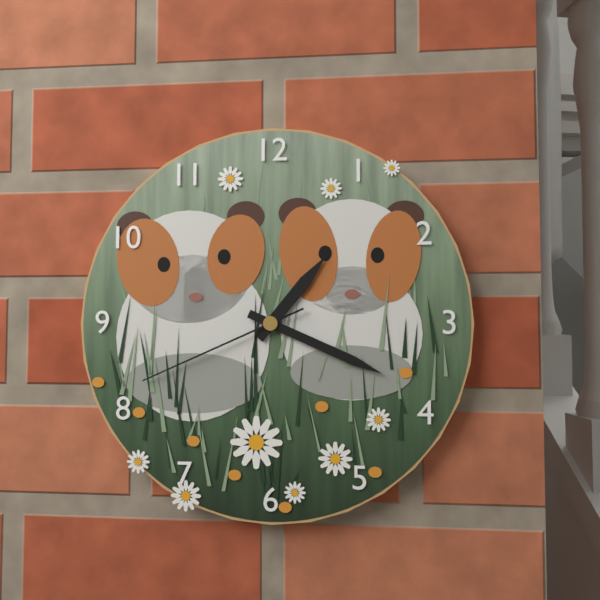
1:19:41
